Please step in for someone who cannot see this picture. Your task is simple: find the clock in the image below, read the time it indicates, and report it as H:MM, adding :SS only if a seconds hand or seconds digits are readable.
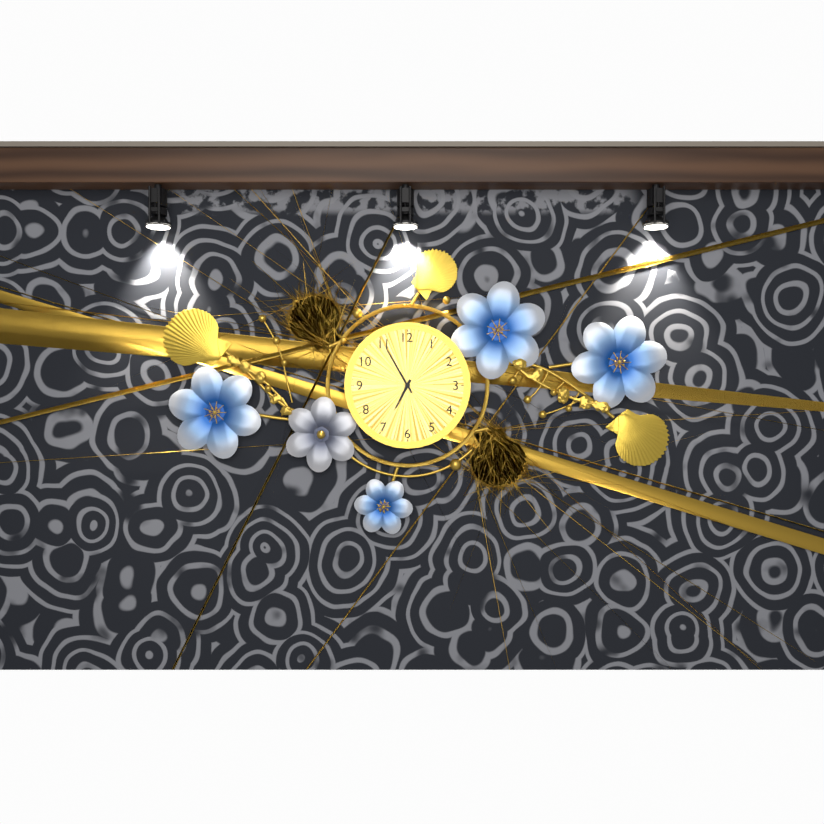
6:55
